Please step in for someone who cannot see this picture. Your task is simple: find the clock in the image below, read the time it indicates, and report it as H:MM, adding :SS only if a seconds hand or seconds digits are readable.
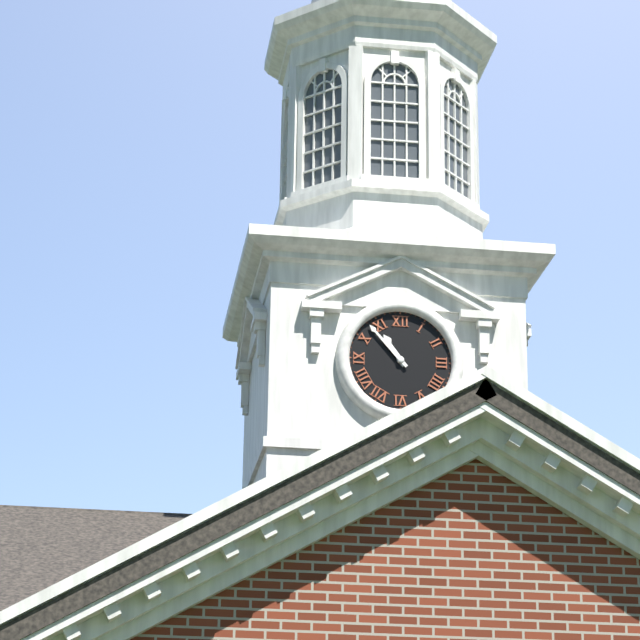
10:53
